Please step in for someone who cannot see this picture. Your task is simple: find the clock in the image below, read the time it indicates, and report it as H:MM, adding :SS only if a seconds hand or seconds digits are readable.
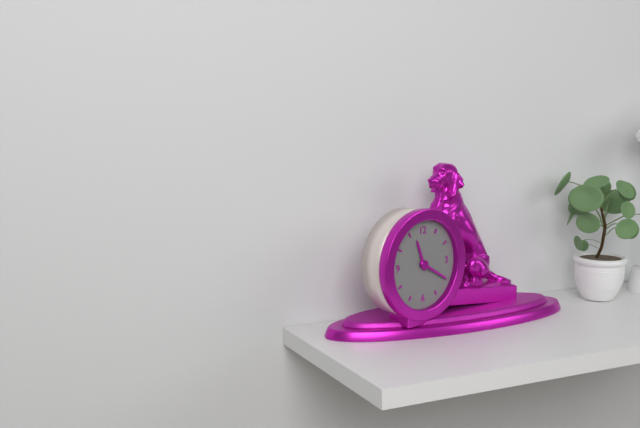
11:20
